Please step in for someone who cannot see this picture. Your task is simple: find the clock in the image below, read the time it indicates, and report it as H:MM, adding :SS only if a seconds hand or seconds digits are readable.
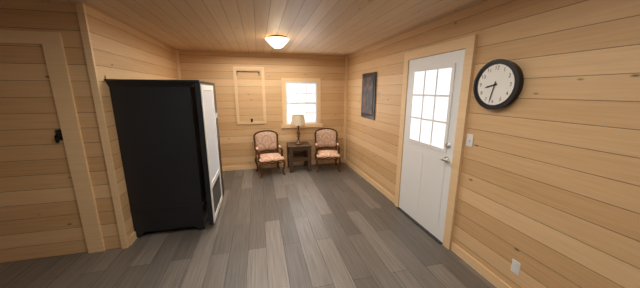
8:32
